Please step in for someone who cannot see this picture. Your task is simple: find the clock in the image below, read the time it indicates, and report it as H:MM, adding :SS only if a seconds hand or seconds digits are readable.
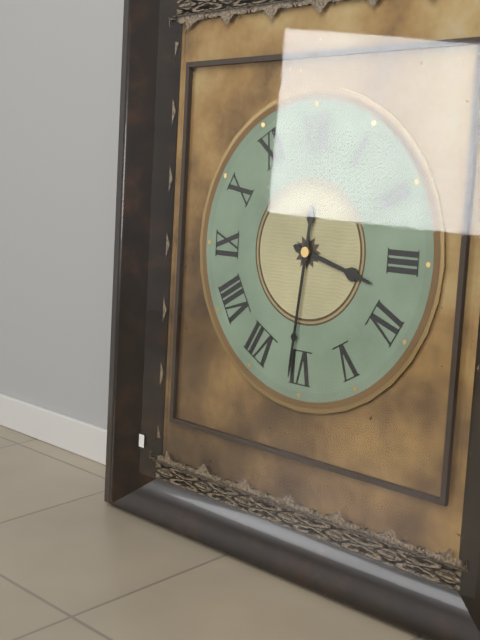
3:31
